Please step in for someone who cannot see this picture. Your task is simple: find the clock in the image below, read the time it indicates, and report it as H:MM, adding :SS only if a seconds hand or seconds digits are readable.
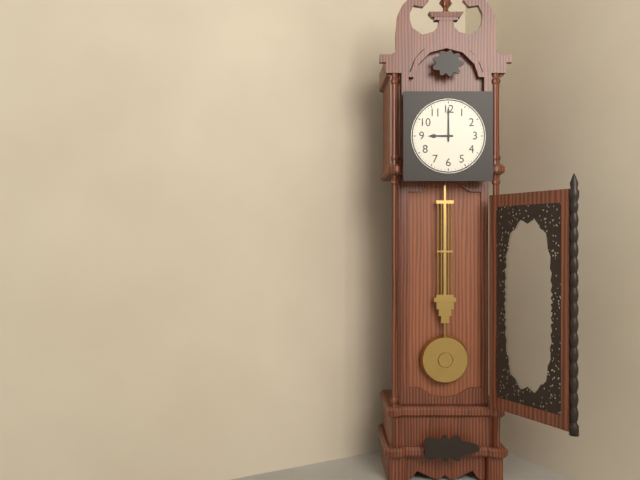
9:00
